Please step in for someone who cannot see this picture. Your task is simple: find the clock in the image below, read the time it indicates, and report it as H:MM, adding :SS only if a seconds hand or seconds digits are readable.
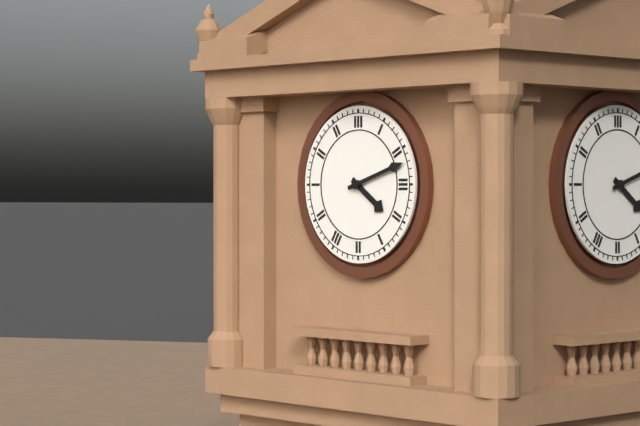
4:12
